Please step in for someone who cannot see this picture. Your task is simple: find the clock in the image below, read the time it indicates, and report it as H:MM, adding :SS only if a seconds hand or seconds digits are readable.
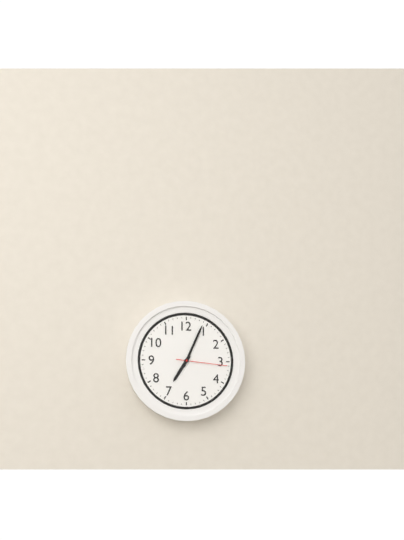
7:04:16
